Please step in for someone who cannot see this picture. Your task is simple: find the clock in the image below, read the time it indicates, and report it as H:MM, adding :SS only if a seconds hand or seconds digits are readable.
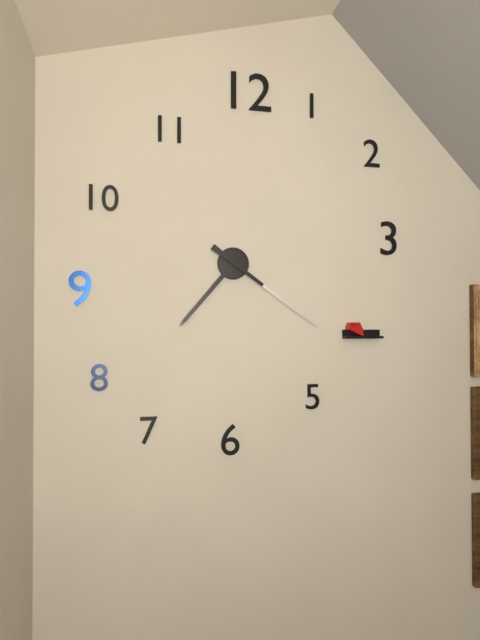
7:21
